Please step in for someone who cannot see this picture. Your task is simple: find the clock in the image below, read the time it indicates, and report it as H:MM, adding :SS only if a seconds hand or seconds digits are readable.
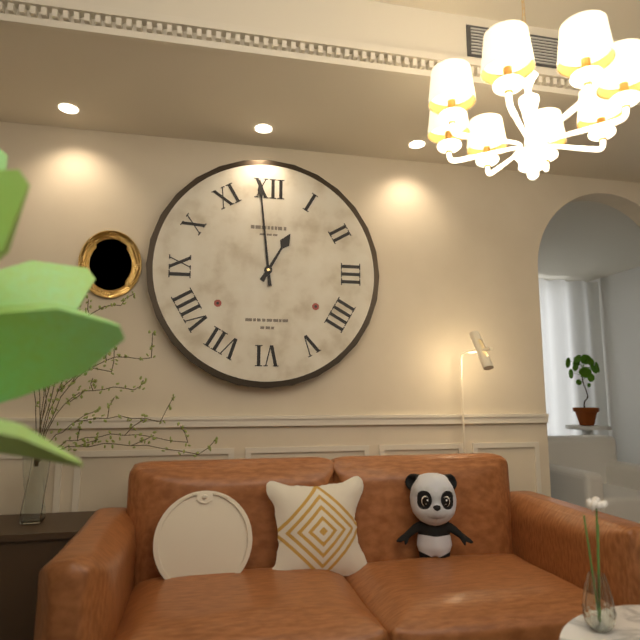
12:59
